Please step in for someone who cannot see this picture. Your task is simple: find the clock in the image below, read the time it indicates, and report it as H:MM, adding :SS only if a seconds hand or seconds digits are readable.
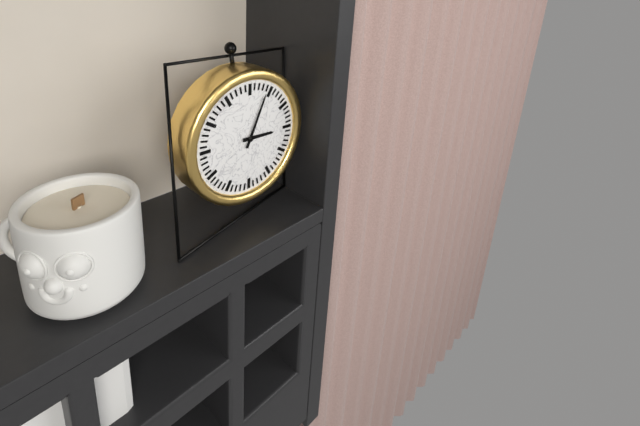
3:04
